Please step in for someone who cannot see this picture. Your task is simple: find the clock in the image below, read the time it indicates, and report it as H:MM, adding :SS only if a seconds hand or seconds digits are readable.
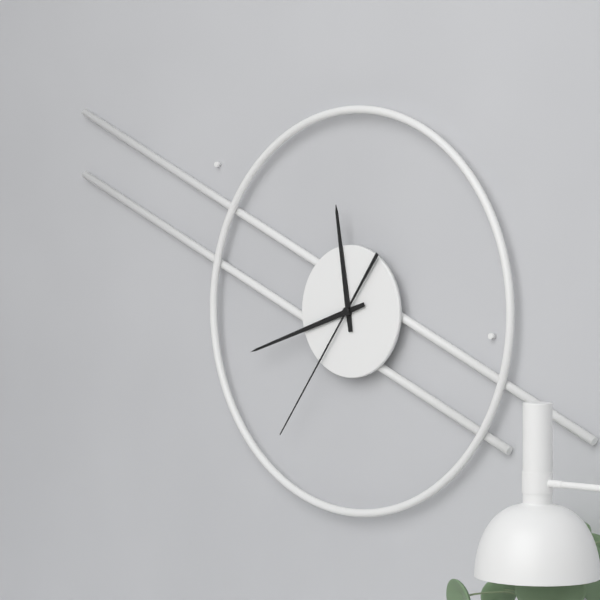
11:42:36
